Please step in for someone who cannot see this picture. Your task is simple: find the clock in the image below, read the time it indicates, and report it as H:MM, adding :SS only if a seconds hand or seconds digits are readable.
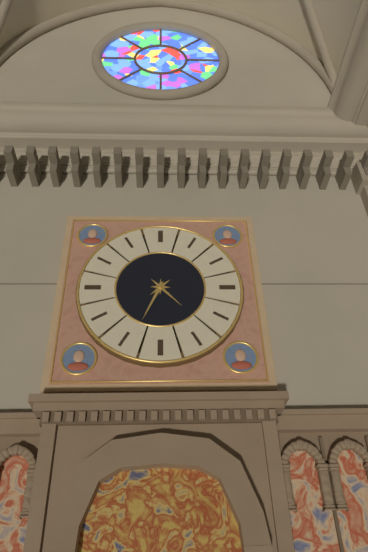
4:34
